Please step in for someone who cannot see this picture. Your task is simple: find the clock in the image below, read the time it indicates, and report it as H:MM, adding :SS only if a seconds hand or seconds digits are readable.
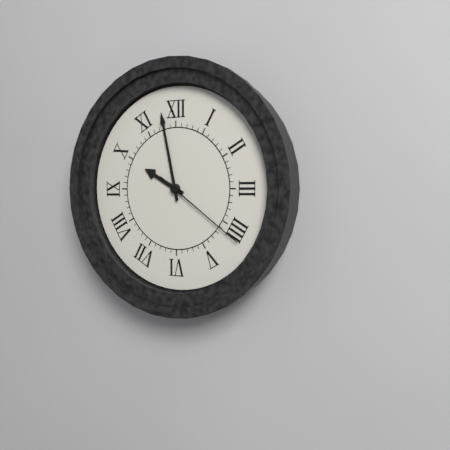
9:58:21
